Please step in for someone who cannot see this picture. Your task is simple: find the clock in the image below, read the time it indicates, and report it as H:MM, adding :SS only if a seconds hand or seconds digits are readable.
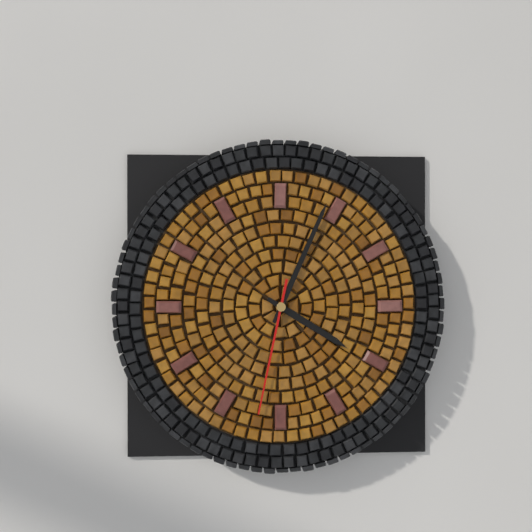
4:04:32
